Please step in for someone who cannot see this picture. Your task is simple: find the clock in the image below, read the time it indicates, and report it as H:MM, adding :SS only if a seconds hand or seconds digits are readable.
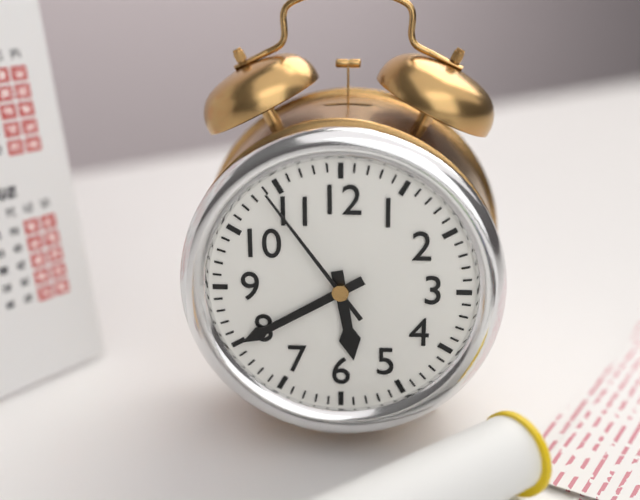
5:40:54
